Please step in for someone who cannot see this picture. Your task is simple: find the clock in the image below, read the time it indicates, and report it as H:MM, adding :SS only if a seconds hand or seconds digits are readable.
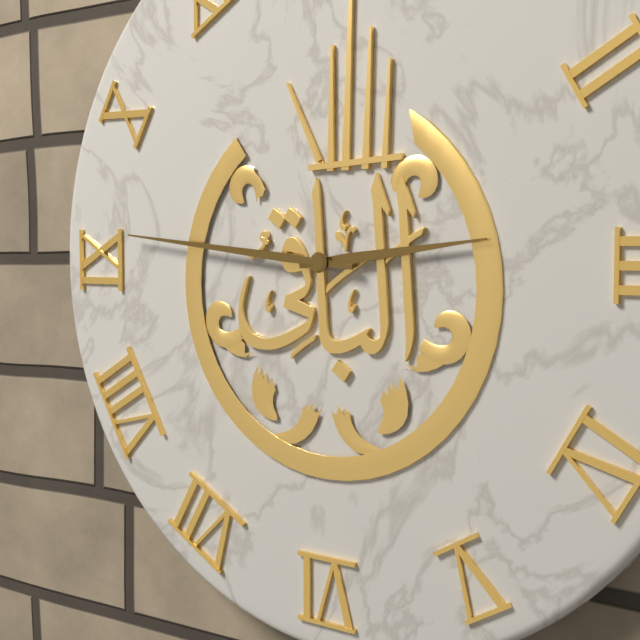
2:46
